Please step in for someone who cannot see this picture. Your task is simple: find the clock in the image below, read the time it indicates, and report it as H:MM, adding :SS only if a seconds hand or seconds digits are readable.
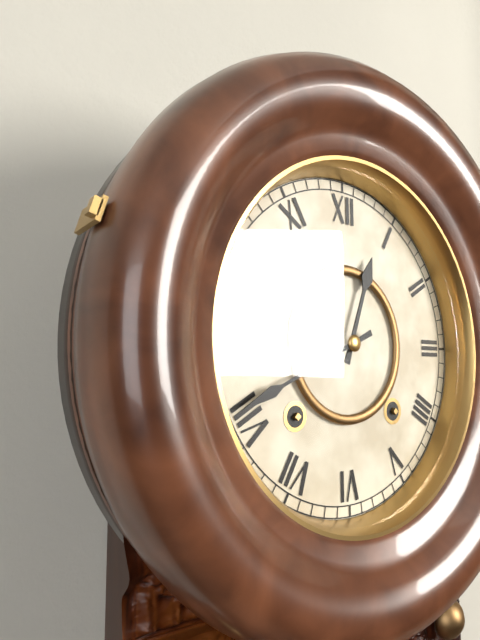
12:41
